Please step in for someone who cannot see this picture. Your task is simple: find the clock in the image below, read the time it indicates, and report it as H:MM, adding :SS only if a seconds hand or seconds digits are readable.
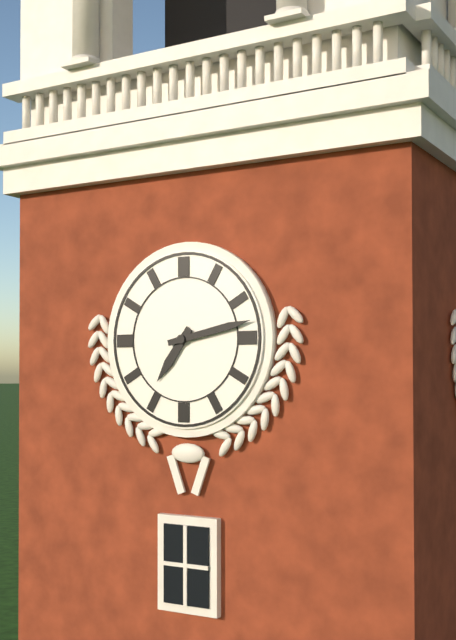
7:13
